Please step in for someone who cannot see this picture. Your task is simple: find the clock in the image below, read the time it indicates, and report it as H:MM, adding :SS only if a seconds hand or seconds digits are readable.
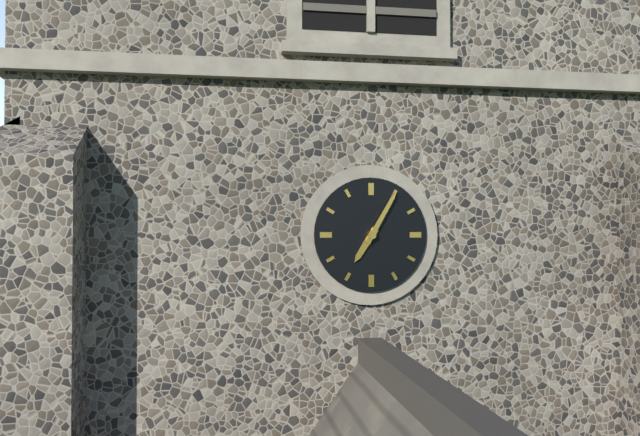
7:05
